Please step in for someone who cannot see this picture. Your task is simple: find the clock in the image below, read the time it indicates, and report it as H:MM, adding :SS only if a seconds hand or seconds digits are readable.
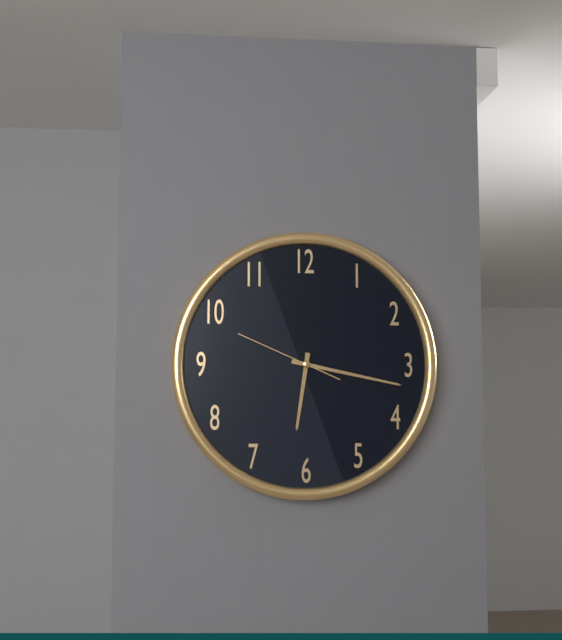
6:17:49
